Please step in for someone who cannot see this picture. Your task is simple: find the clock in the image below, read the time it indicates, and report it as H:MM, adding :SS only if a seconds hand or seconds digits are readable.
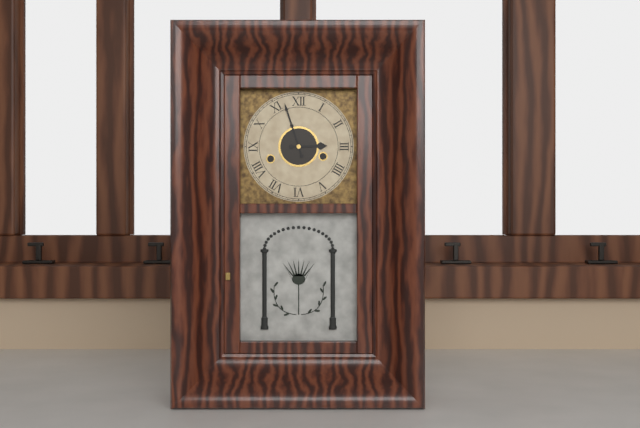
2:57
